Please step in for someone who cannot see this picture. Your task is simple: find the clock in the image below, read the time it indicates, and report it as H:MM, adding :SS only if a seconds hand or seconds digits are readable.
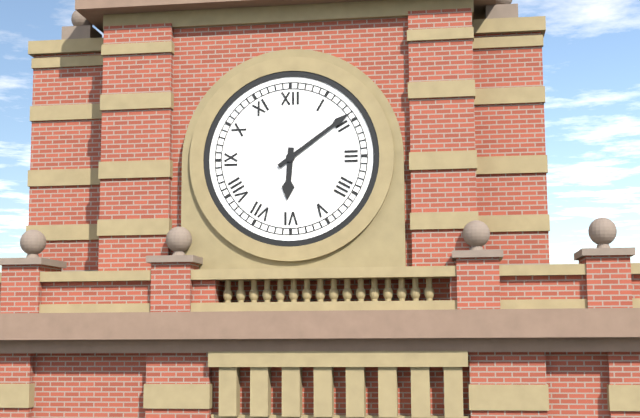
6:09
